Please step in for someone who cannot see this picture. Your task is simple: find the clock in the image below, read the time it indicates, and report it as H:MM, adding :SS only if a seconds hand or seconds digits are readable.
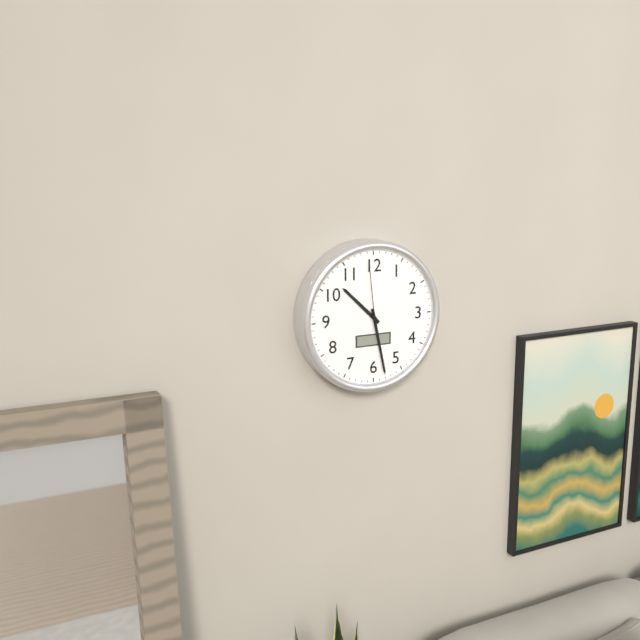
10:28:59
